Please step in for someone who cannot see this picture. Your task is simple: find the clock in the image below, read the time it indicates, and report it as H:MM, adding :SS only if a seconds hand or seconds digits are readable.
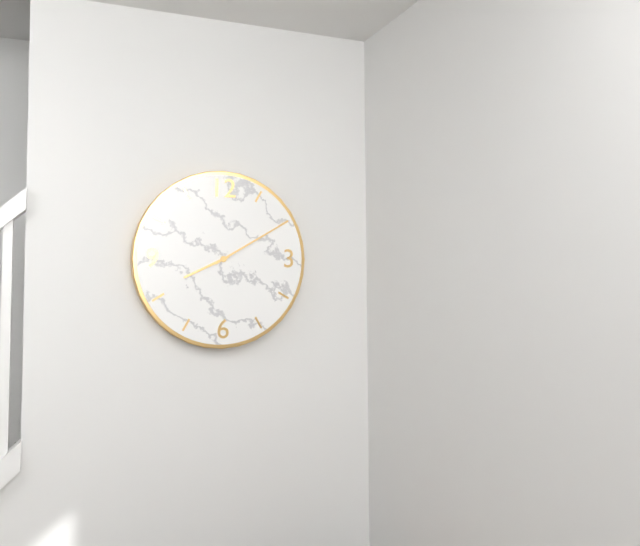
8:10
